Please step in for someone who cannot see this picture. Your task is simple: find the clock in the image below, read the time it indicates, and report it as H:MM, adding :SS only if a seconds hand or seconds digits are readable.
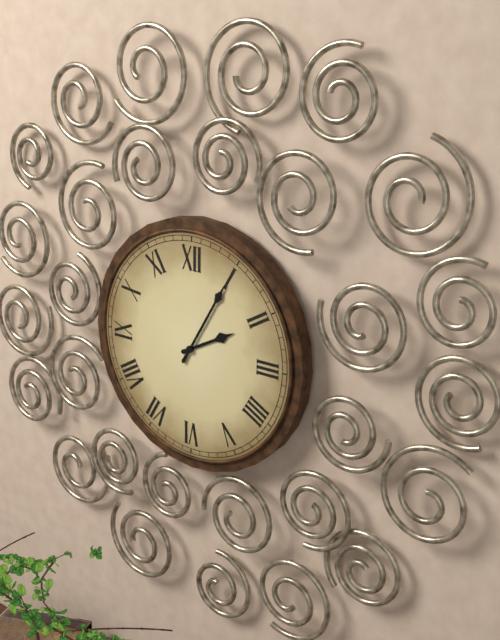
2:05
